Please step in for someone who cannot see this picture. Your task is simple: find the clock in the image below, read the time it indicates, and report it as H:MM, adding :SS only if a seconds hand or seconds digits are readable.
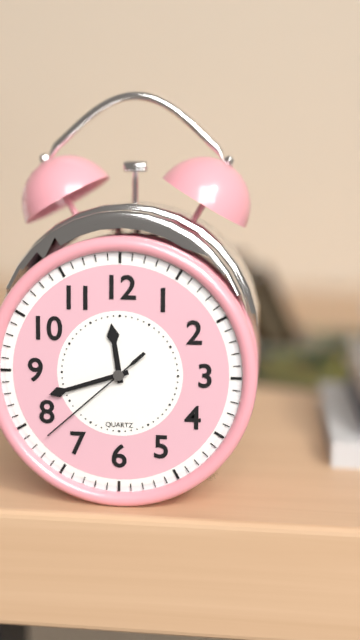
11:42:38
